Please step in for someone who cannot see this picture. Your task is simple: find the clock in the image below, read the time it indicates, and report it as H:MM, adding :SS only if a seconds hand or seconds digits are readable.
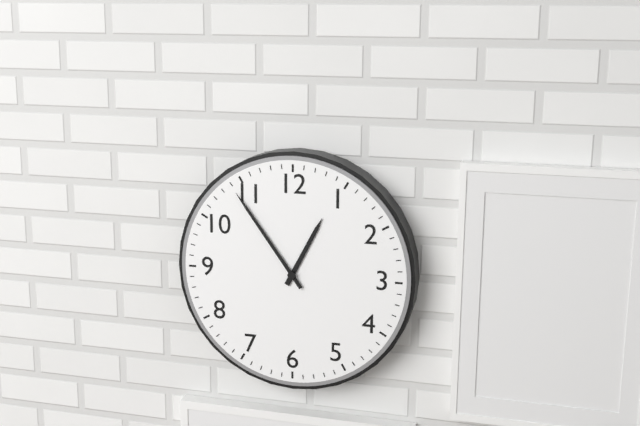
12:54
